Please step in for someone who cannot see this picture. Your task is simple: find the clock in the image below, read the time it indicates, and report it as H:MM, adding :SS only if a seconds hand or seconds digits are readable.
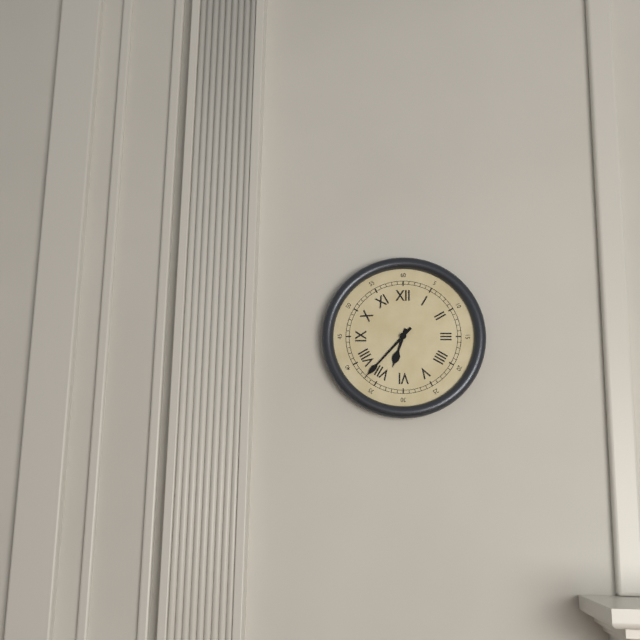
6:37
